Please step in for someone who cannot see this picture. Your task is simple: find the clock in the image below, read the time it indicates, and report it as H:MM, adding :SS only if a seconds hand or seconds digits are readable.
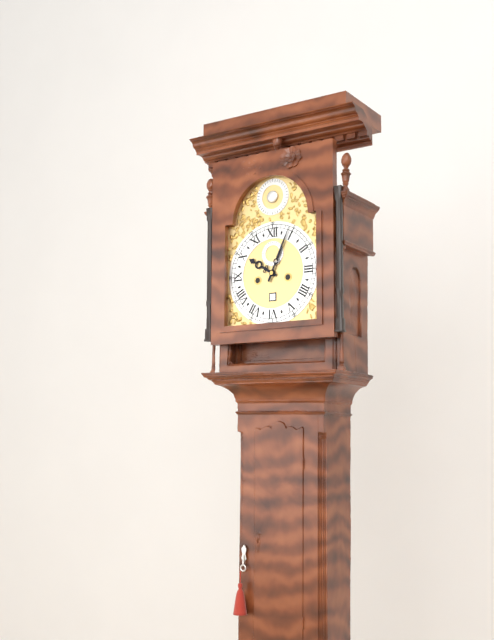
10:04
